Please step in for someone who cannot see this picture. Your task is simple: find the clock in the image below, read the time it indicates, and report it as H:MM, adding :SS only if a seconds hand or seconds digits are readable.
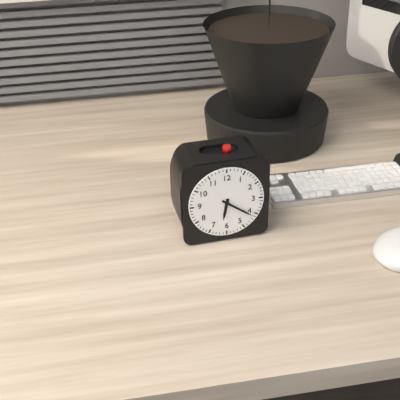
6:21
